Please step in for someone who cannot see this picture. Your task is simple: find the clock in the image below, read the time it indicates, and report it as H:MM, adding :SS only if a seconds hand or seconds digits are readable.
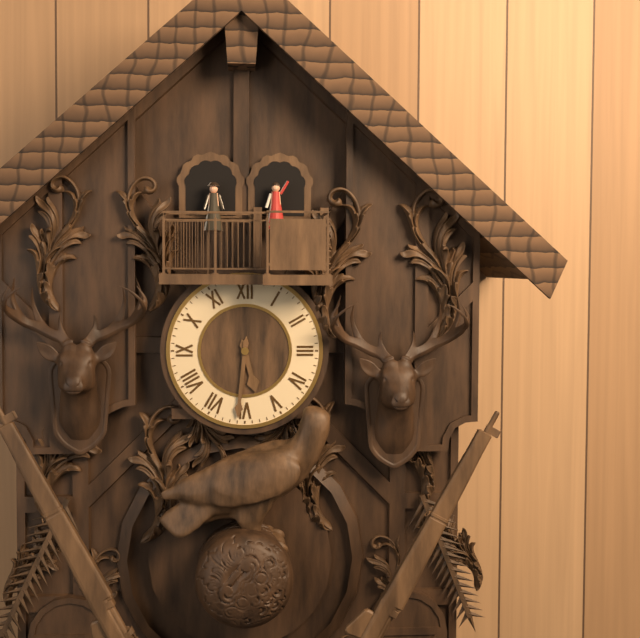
5:31
